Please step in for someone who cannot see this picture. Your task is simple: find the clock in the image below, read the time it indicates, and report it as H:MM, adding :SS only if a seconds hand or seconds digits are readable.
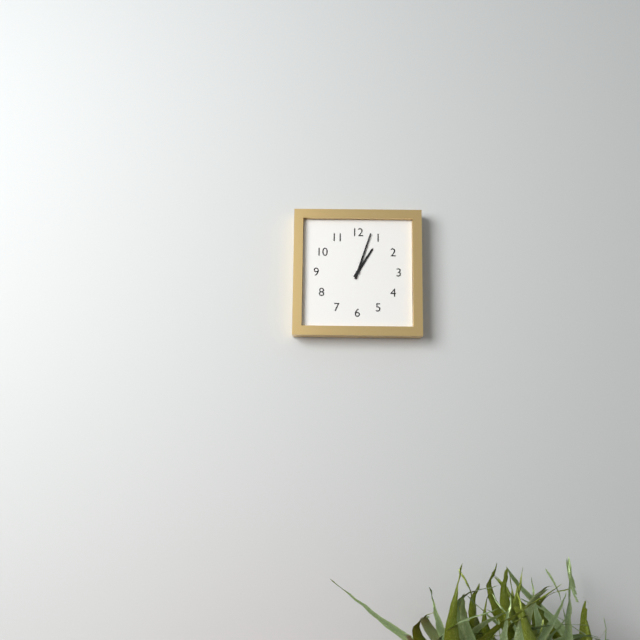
1:03
